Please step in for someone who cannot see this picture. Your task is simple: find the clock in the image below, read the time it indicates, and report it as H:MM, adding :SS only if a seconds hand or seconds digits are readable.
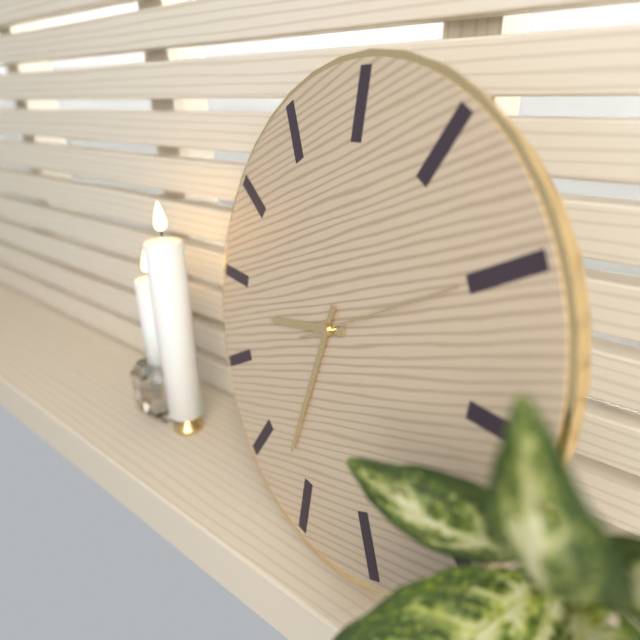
8:32:10
